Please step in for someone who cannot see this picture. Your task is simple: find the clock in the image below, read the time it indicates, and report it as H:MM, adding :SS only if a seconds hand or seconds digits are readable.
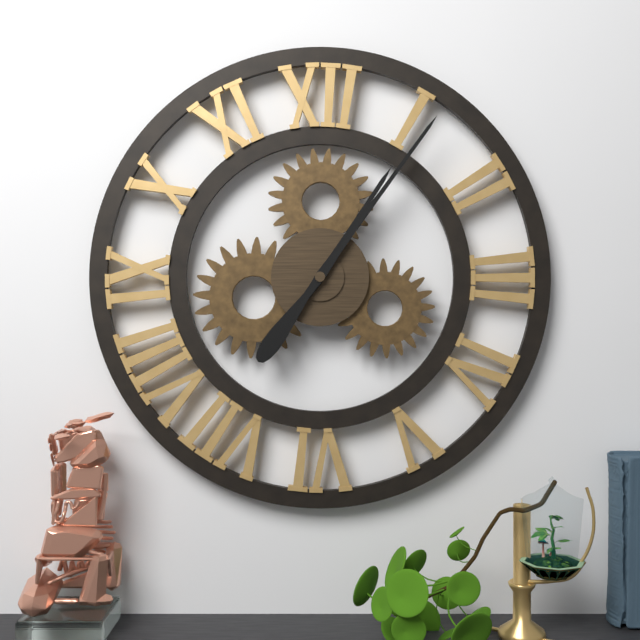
1:06
